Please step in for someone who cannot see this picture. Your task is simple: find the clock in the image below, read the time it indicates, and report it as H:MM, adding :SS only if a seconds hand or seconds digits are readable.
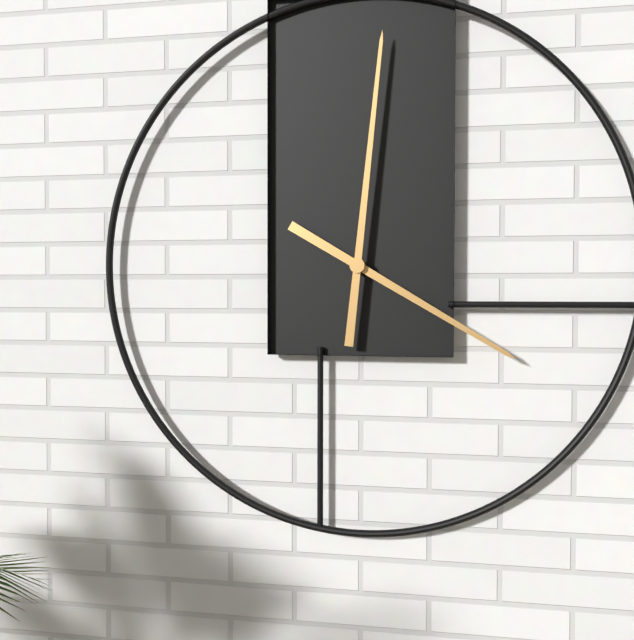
4:01
